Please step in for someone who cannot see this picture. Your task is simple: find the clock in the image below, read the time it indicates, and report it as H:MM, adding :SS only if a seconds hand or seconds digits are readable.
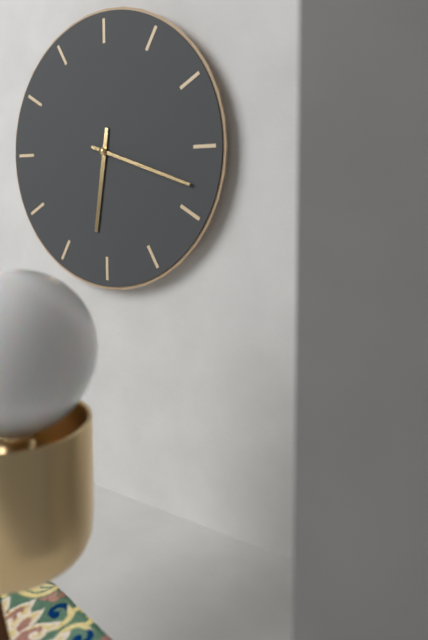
6:18
